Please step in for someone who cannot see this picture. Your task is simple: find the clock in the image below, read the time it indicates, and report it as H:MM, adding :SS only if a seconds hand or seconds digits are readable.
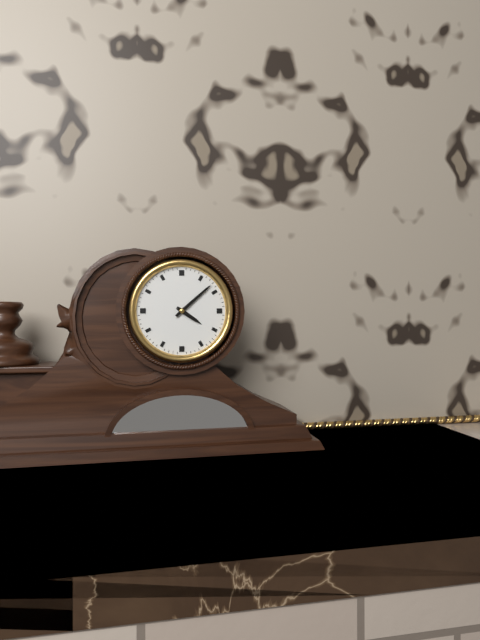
4:08
